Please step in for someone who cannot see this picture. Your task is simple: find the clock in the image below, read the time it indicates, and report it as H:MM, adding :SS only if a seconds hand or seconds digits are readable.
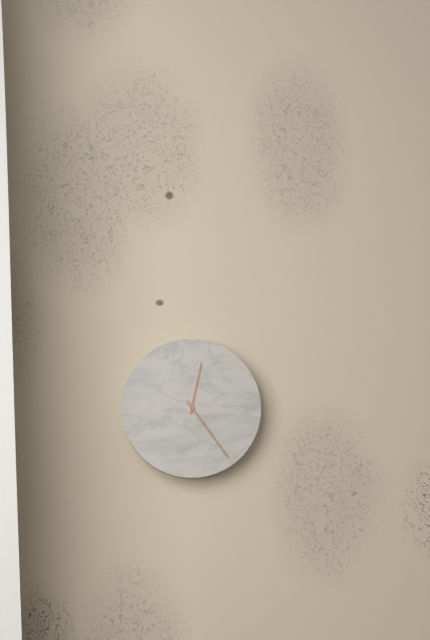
12:24
